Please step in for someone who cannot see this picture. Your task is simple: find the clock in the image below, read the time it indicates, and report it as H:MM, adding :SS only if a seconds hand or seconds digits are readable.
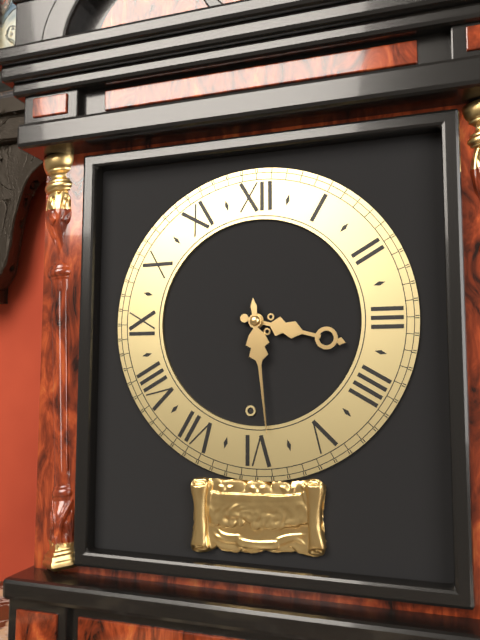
3:29
